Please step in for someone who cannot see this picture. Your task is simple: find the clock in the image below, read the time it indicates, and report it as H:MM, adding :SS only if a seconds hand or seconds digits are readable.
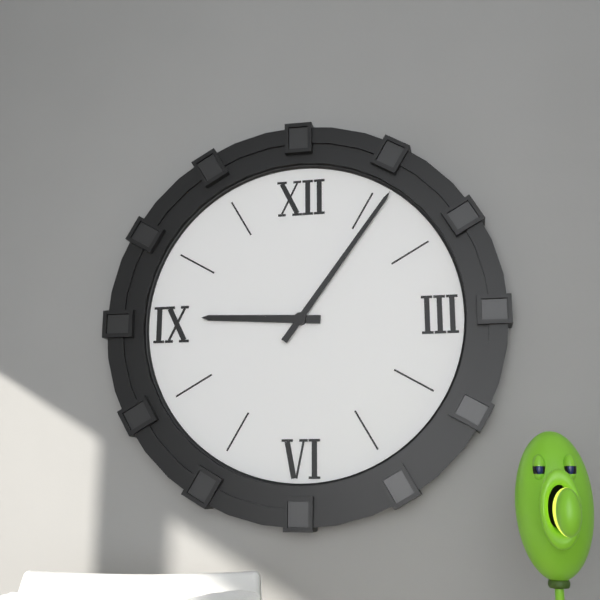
9:06
